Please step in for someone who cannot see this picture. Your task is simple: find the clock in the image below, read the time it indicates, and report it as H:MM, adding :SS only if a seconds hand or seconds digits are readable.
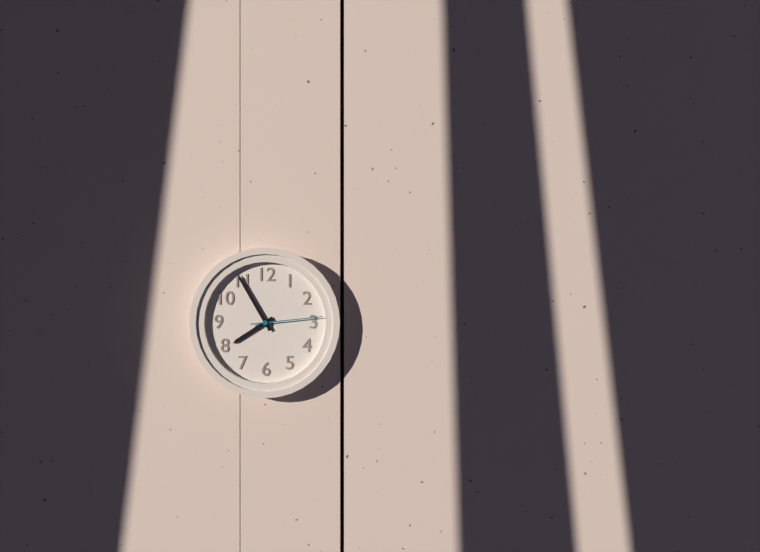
7:55:14
